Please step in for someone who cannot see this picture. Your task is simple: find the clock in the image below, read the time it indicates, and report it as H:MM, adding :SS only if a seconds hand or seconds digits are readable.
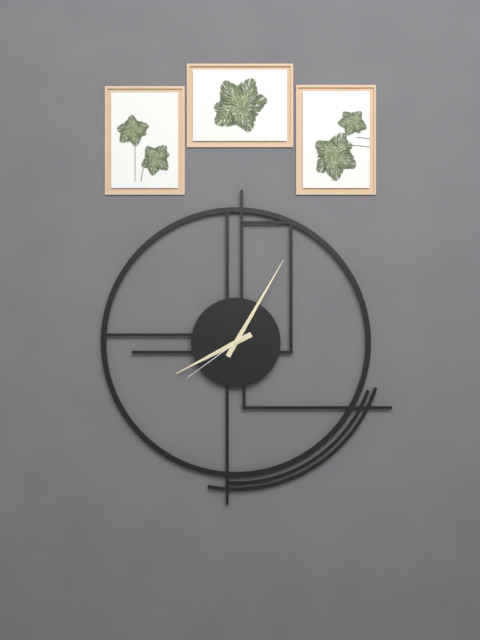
8:05:39
